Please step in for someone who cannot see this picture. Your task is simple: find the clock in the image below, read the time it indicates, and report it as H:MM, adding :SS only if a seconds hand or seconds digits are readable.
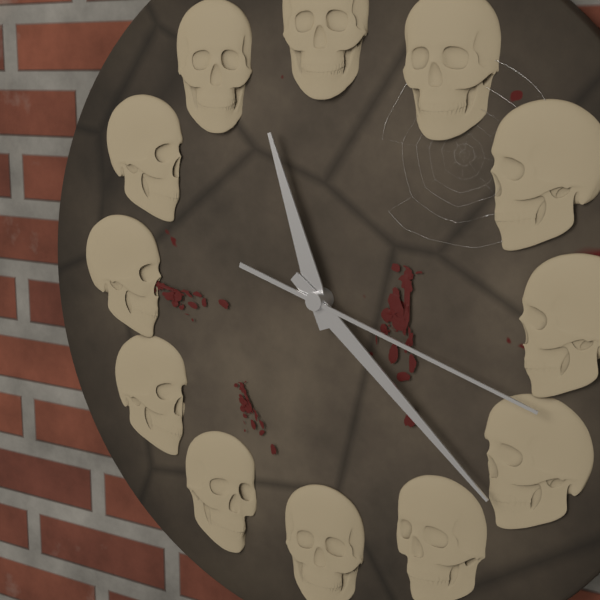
11:22:18
